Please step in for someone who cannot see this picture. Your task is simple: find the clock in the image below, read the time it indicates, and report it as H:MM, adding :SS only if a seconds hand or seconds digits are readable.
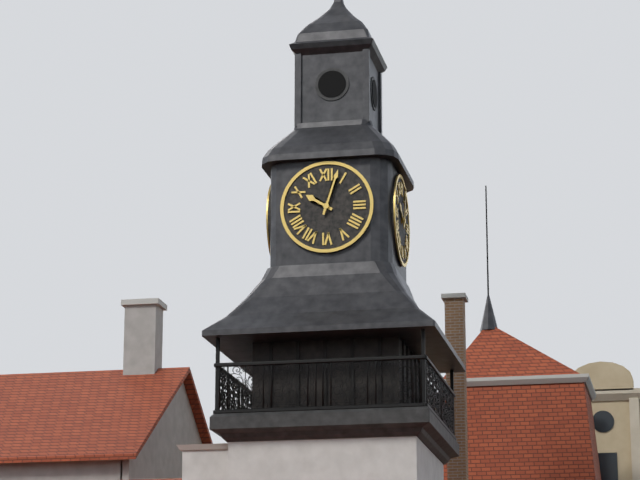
10:03
